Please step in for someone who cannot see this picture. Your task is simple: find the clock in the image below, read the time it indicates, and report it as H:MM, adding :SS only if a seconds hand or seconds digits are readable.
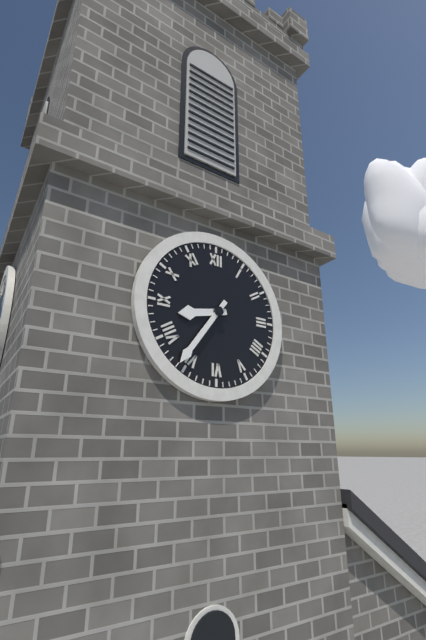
8:36
